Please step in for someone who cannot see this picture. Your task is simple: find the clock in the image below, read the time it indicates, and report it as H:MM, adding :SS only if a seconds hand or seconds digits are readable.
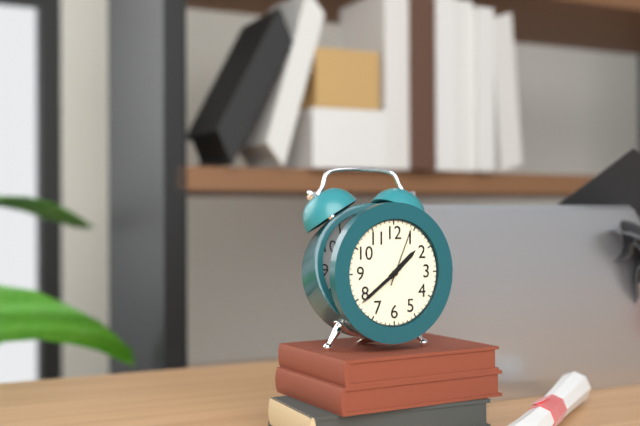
1:39:04
